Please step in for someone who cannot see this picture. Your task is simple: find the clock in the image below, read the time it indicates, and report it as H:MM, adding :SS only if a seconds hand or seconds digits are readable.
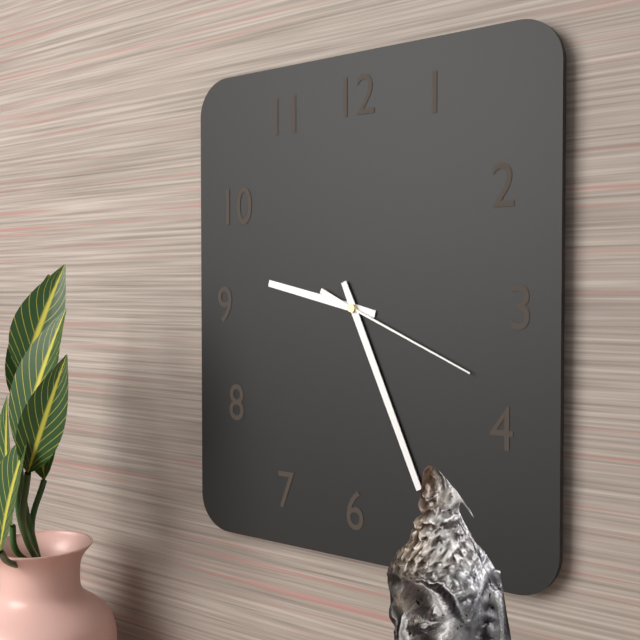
9:26:19
